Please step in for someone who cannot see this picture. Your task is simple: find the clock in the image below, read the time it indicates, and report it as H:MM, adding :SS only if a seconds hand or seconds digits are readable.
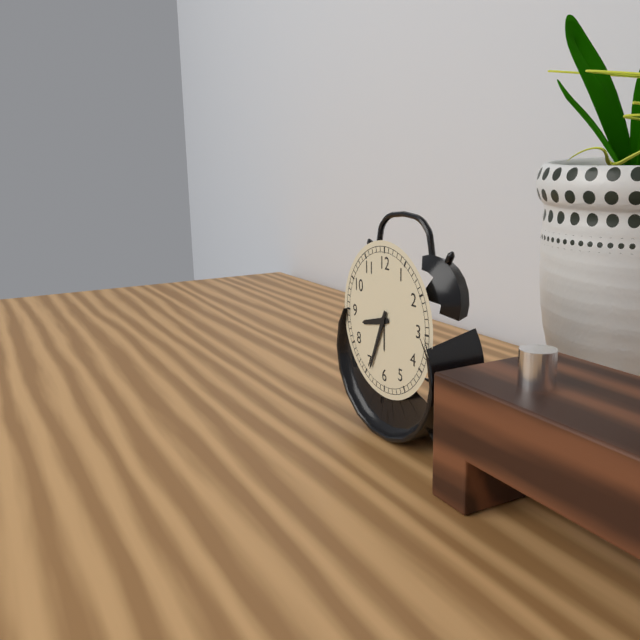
8:34
